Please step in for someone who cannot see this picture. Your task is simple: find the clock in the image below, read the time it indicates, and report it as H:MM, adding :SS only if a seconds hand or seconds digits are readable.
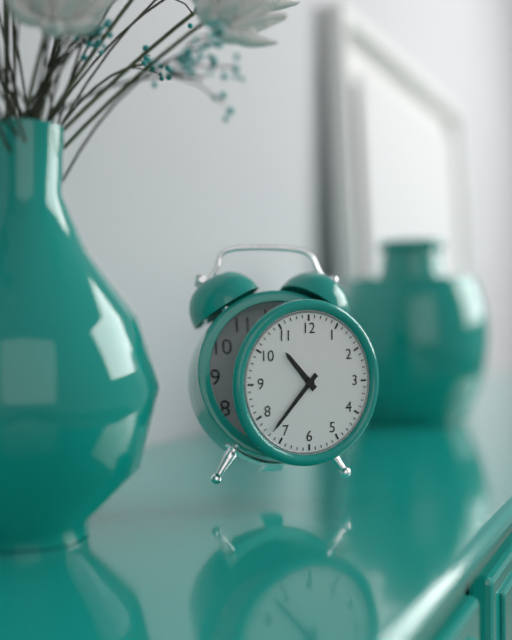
10:37
